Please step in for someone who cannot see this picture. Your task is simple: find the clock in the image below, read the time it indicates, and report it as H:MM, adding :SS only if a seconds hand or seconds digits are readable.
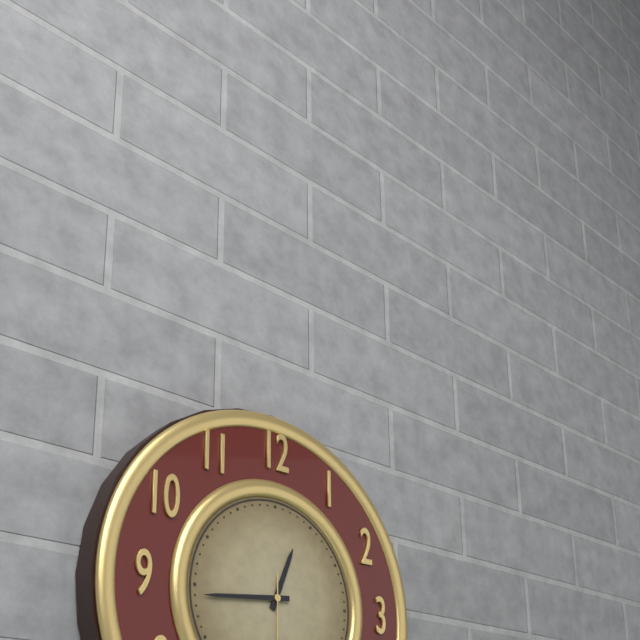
12:44
